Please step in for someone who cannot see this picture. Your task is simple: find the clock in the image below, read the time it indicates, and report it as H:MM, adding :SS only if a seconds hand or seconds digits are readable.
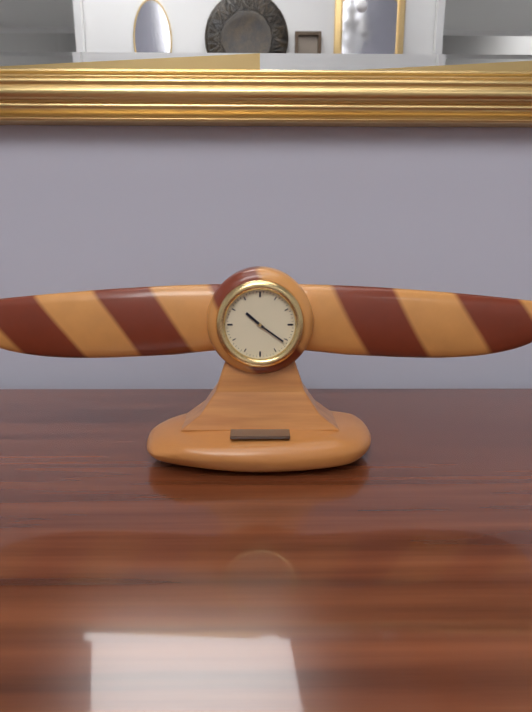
10:21
